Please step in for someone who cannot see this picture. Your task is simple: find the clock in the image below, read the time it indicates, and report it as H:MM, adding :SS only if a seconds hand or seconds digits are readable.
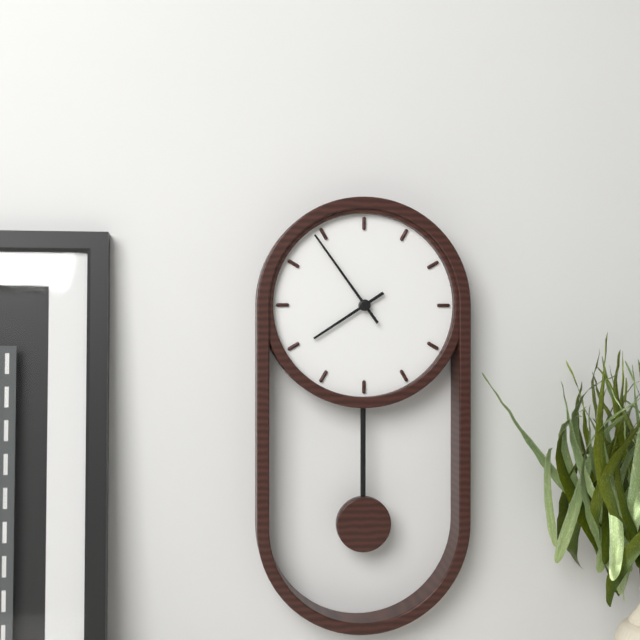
7:54
